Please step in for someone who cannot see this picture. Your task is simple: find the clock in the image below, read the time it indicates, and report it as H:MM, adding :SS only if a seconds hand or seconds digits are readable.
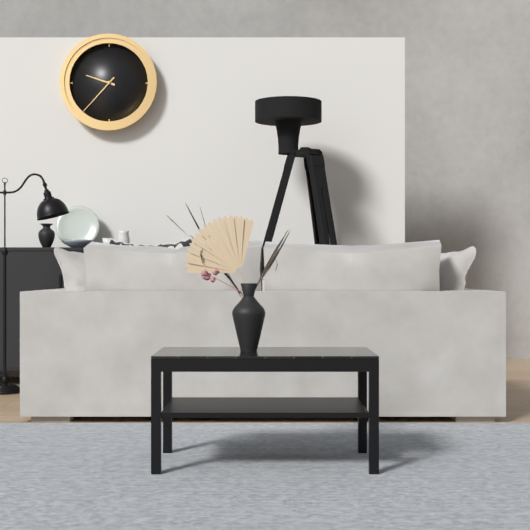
9:37
